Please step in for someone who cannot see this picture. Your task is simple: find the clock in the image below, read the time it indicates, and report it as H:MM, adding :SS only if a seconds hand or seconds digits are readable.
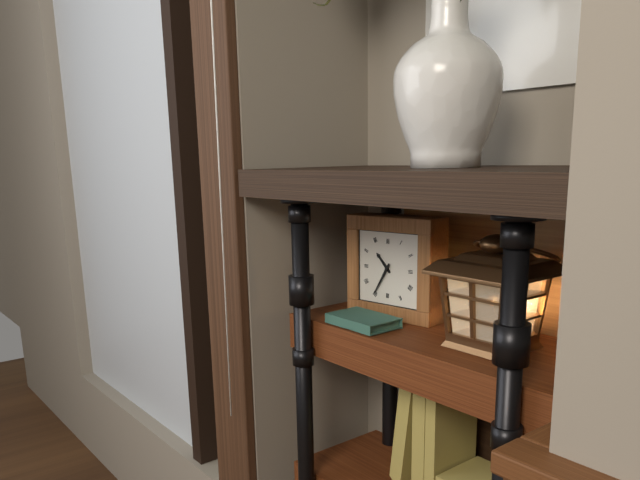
10:35
